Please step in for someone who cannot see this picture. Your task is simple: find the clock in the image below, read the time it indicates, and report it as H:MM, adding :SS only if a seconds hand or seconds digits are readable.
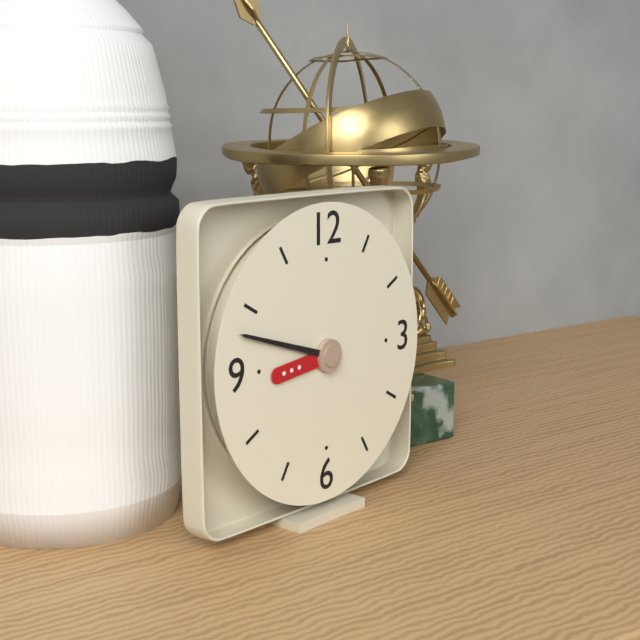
8:48
